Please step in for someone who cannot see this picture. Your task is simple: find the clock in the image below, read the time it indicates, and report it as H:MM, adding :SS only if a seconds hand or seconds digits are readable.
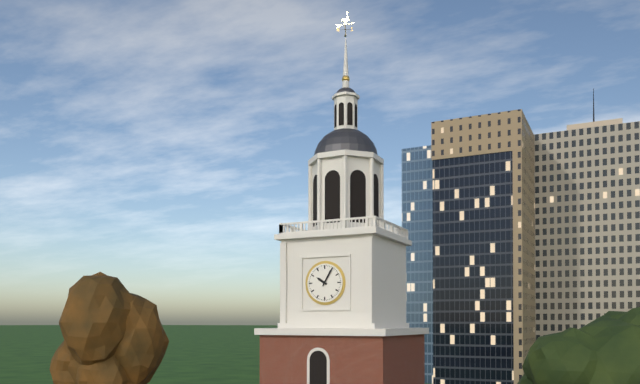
10:05
